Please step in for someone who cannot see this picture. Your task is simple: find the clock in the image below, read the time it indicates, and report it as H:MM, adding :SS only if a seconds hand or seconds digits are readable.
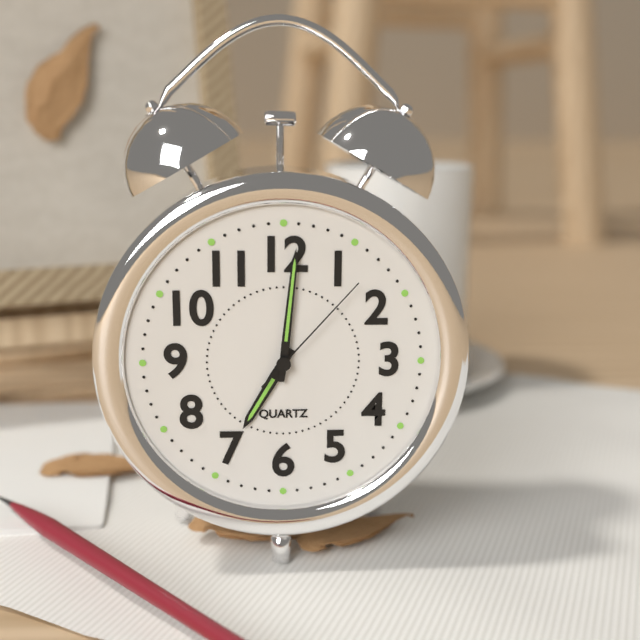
7:01:07
